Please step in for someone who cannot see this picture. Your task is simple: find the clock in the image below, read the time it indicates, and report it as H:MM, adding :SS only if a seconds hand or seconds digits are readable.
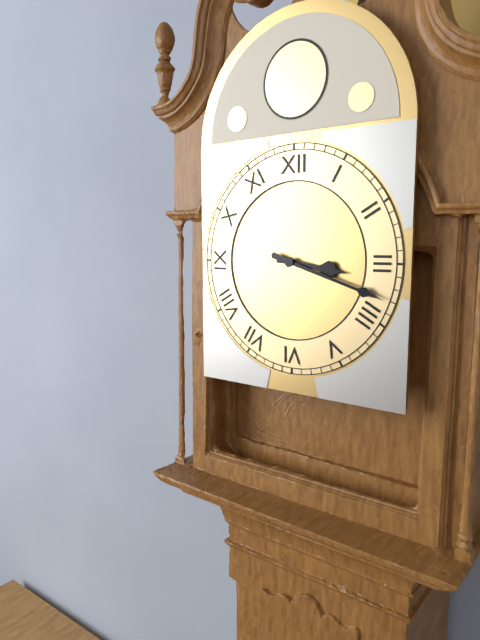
3:18
